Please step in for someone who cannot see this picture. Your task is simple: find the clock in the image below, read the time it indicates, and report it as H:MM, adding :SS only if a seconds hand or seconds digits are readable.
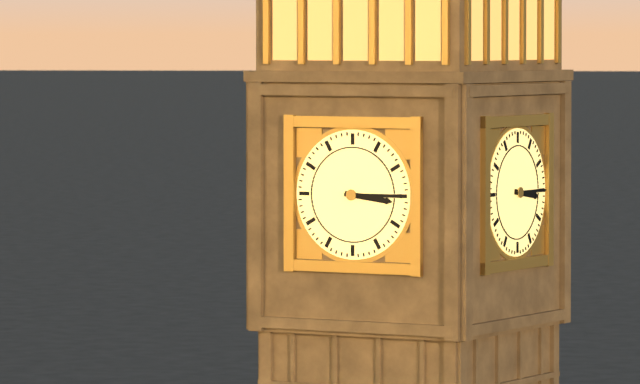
3:15
